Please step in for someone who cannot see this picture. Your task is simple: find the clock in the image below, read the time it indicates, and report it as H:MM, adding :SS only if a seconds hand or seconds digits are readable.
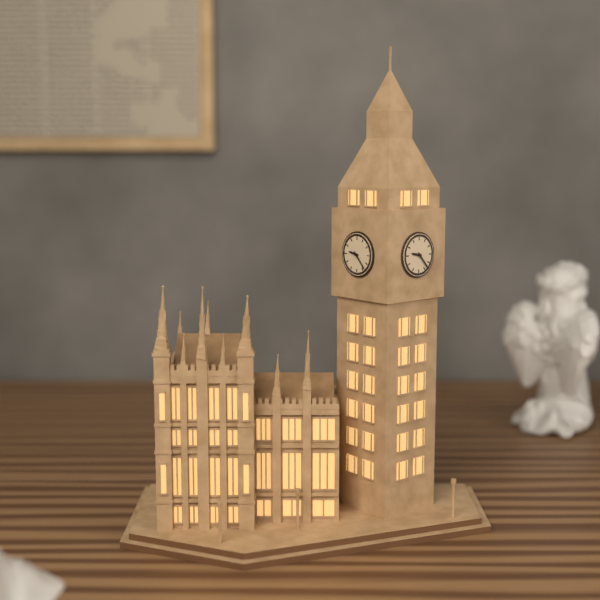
9:23
